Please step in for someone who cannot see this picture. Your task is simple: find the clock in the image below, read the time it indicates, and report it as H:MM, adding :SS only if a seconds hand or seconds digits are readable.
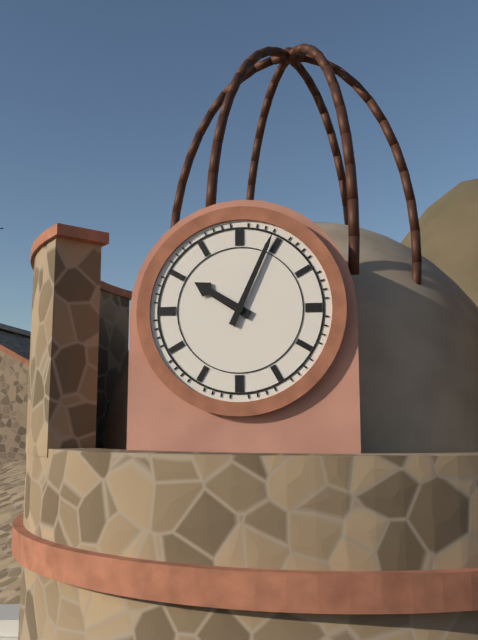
10:04
